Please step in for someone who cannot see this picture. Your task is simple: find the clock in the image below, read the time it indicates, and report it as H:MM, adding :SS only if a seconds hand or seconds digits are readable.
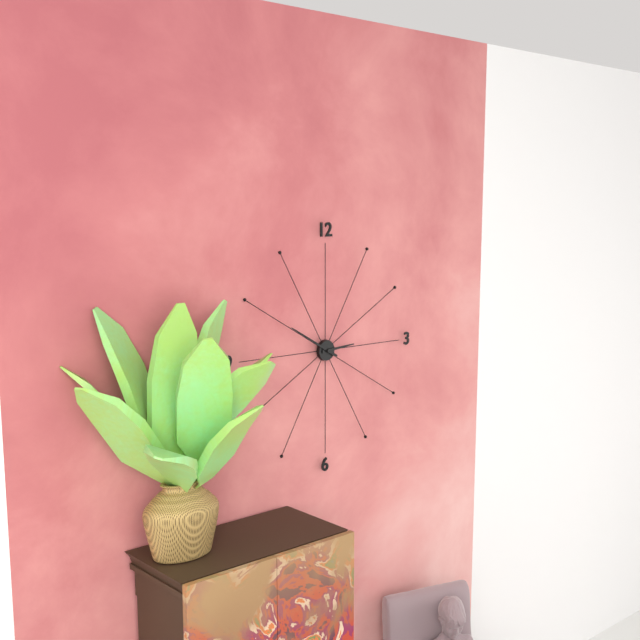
2:50
